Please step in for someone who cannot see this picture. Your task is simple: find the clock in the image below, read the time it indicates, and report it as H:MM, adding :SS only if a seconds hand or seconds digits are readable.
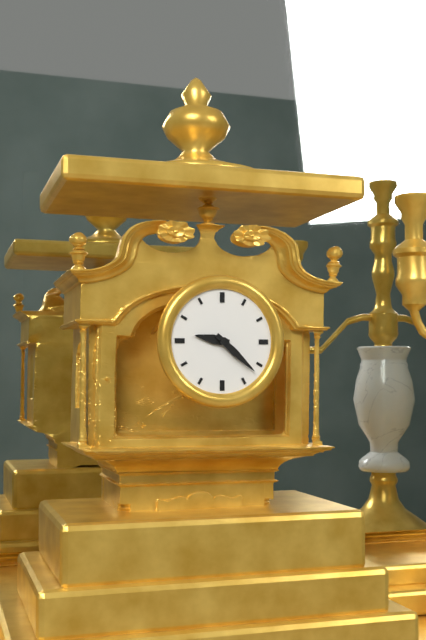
9:22
